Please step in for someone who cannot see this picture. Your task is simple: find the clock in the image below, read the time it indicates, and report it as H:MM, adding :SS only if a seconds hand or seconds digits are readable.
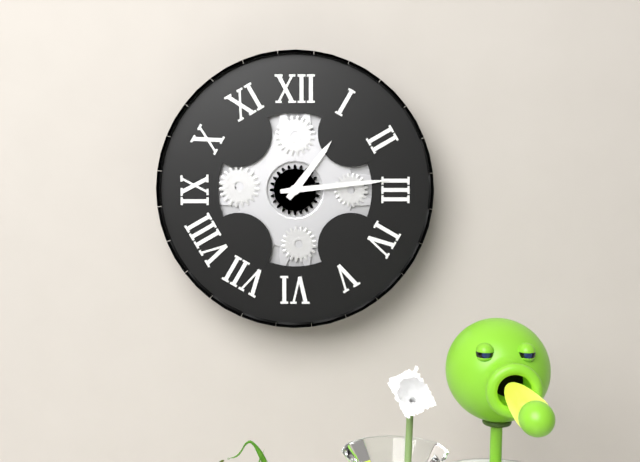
1:14
